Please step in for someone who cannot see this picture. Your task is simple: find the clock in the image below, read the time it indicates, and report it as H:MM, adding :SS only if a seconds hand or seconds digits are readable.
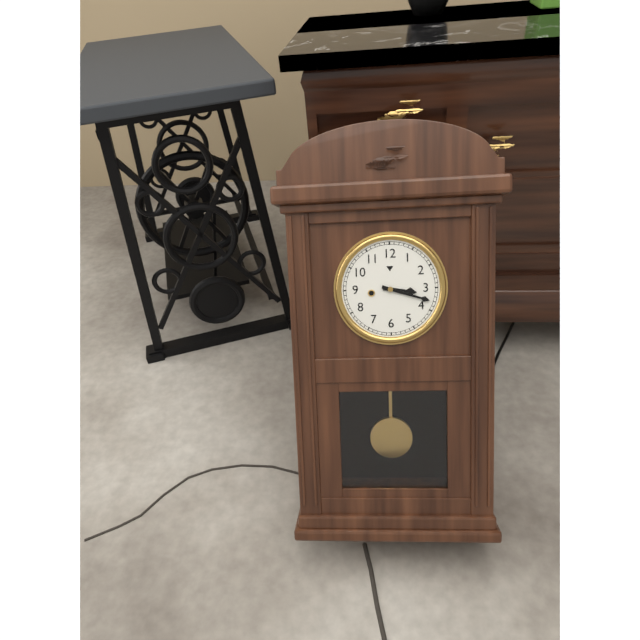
3:18
